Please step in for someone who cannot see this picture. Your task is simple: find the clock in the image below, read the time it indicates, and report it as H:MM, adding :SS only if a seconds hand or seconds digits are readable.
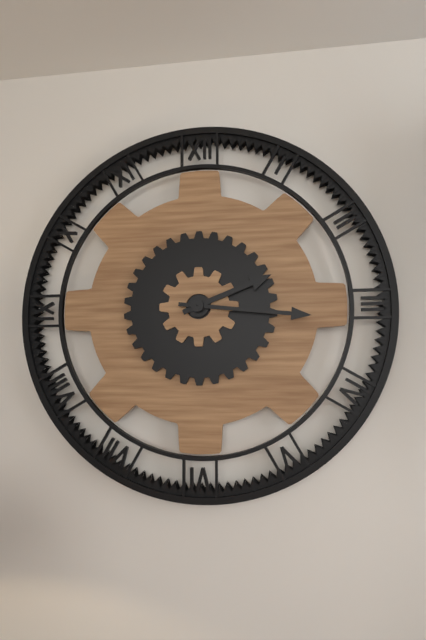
2:16
